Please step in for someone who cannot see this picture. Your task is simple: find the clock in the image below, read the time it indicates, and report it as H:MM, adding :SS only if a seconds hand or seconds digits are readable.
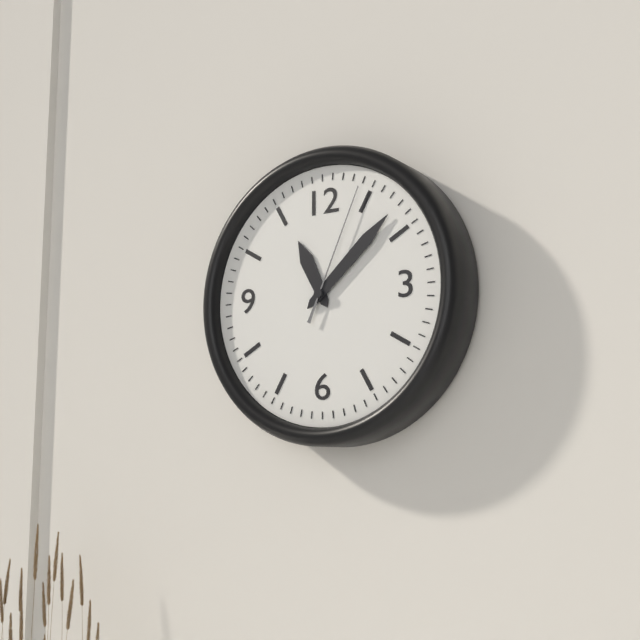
11:08:04
